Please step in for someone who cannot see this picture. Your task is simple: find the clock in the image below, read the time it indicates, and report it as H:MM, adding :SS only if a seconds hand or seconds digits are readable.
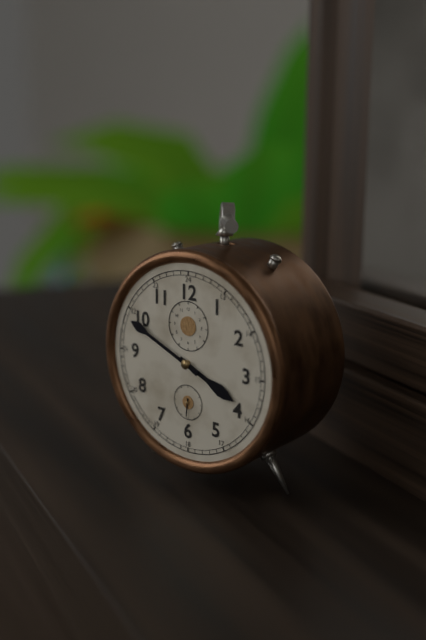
3:49
